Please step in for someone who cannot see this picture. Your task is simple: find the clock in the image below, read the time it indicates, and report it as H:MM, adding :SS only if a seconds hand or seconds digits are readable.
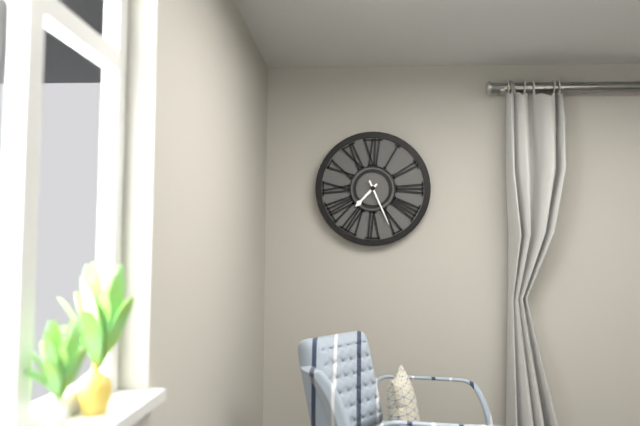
7:26
